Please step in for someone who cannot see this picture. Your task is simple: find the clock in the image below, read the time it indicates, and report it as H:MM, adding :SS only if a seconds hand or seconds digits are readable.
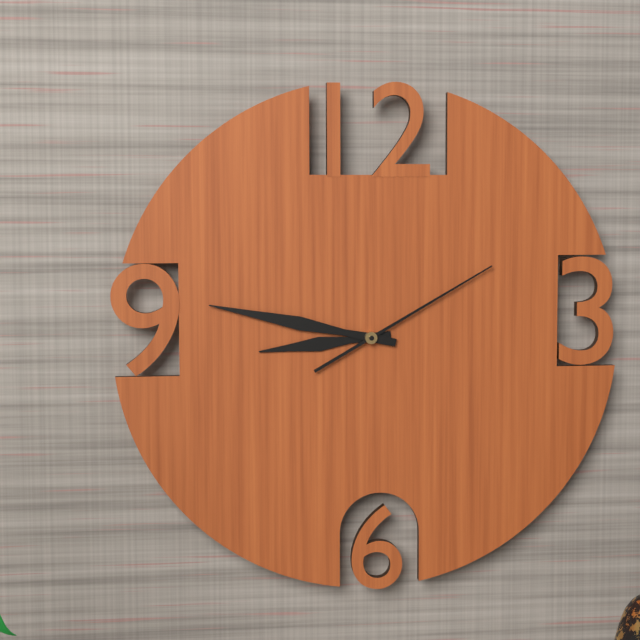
8:47:10
